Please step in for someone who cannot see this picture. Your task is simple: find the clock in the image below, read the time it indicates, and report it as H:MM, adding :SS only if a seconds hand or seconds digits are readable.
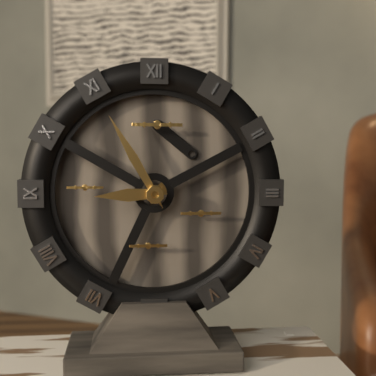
8:55
